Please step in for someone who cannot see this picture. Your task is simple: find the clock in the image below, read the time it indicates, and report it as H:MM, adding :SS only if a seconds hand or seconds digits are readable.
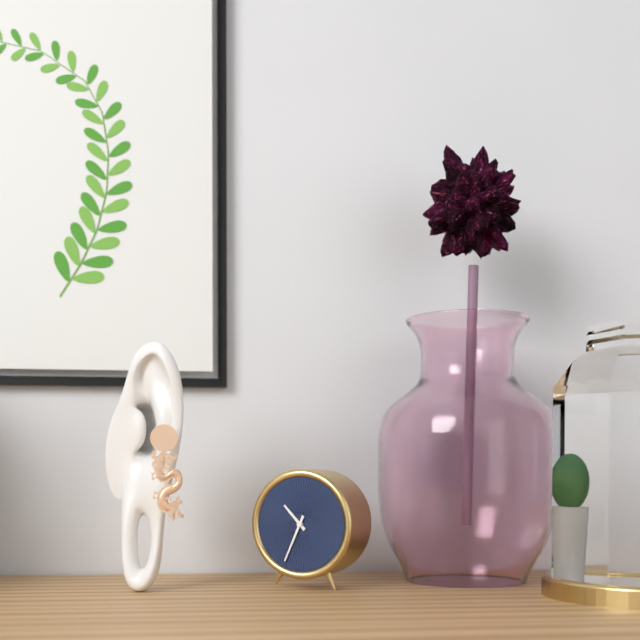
10:34
